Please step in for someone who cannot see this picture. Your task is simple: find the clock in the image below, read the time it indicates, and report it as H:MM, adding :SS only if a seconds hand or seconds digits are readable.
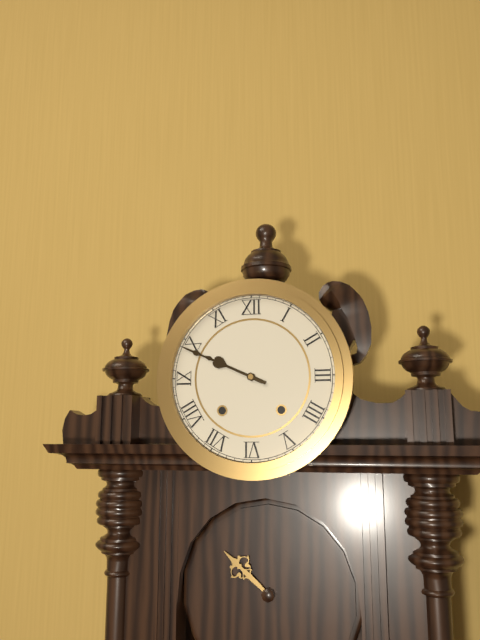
9:49
